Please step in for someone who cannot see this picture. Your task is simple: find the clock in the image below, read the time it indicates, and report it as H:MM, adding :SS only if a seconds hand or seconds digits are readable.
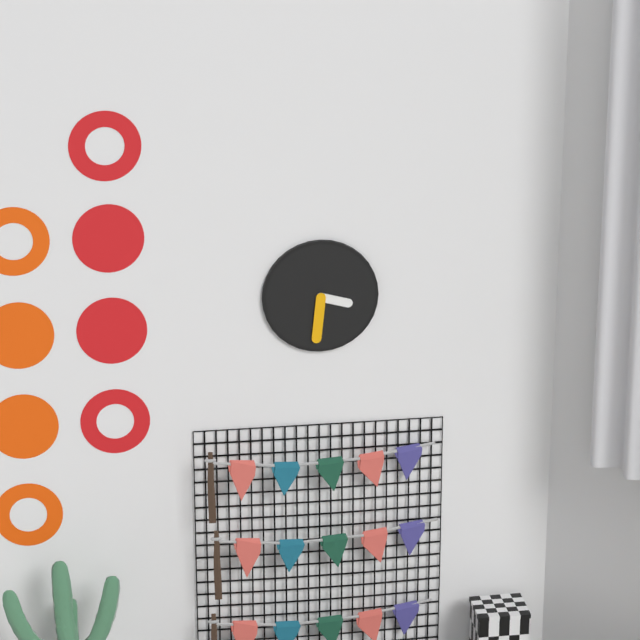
3:31
